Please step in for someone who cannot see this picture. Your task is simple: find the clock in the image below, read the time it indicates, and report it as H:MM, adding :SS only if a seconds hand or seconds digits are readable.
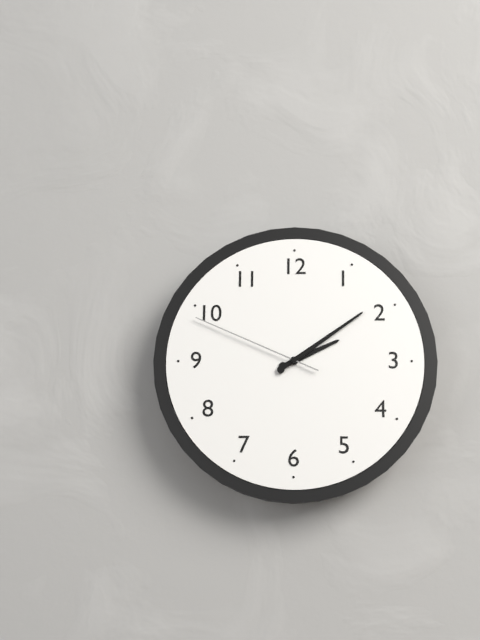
2:09:49
